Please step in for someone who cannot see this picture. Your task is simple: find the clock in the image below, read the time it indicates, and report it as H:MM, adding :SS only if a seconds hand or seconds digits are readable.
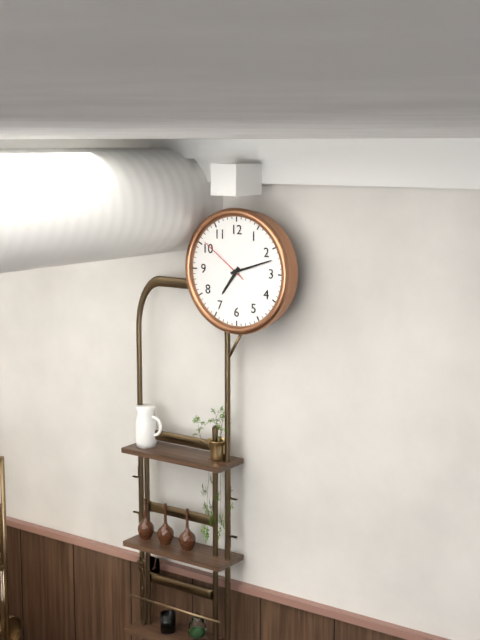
7:12:51
